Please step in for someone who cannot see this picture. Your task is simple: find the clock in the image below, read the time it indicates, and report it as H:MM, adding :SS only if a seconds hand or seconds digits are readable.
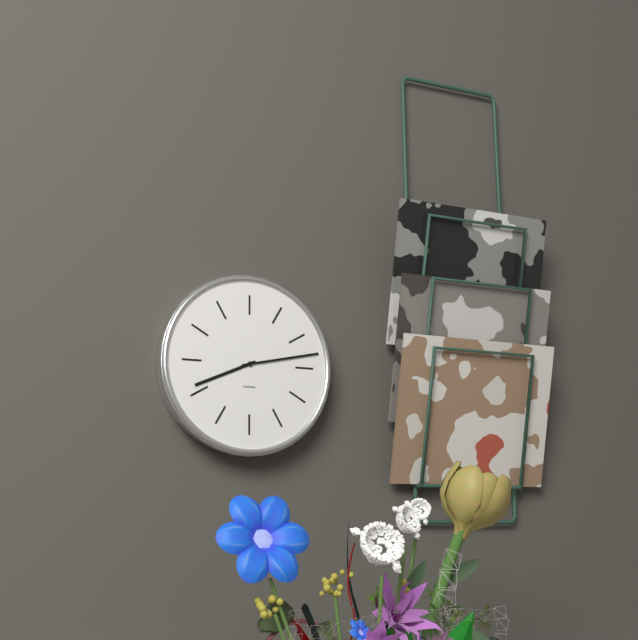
8:13
